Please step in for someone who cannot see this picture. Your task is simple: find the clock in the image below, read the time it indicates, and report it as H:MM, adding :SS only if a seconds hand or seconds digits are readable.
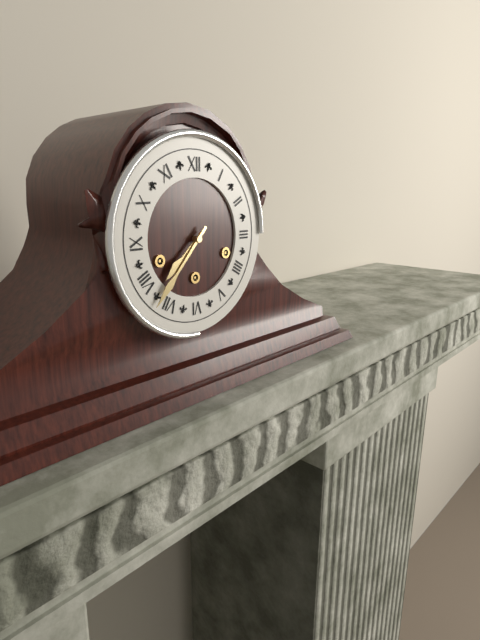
7:37
